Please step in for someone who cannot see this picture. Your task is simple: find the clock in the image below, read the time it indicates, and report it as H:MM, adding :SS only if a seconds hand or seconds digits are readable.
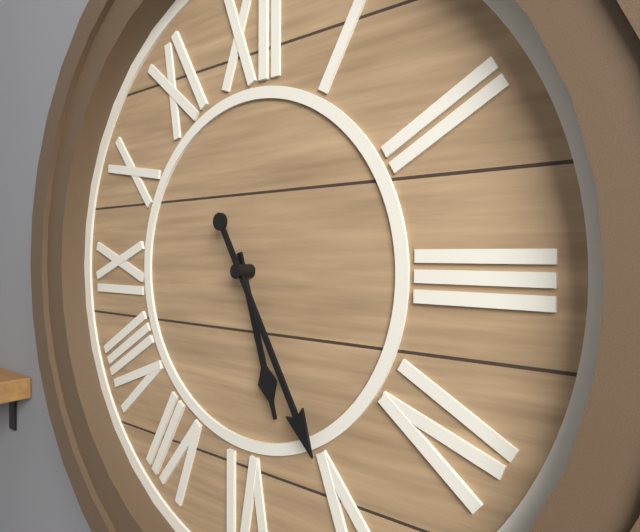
5:25
